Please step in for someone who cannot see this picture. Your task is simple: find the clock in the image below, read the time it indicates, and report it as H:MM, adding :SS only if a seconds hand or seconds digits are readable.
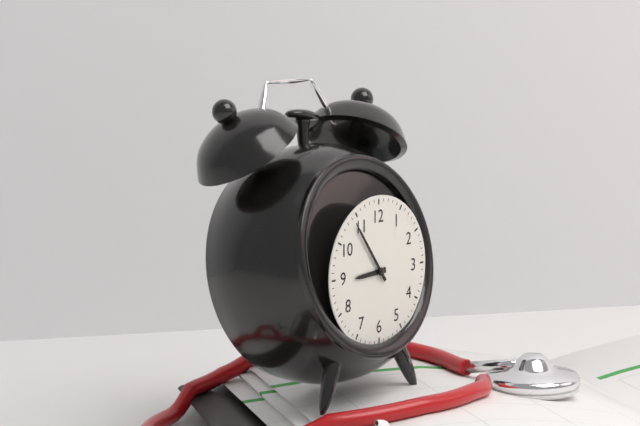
8:54
